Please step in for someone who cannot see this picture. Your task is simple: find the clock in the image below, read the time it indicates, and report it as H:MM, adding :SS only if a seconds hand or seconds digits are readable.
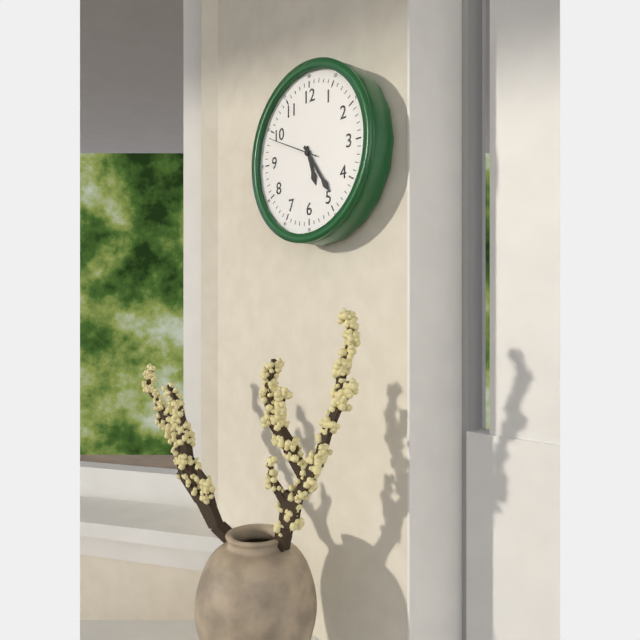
5:24
